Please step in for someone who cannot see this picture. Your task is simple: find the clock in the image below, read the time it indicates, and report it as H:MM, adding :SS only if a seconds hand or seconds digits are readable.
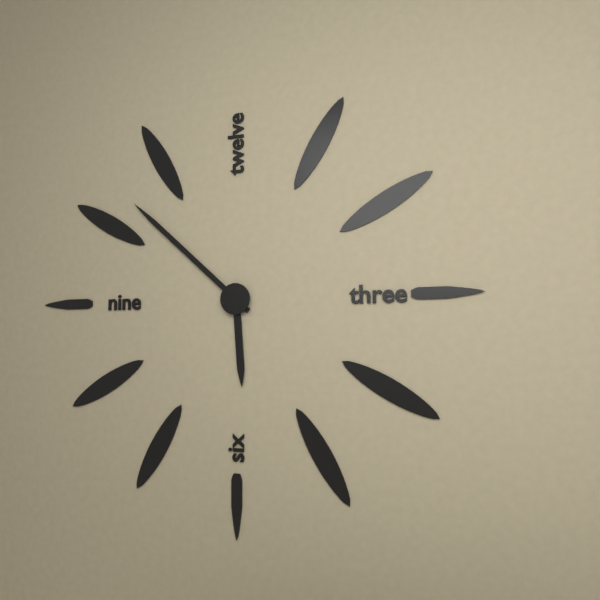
5:52
